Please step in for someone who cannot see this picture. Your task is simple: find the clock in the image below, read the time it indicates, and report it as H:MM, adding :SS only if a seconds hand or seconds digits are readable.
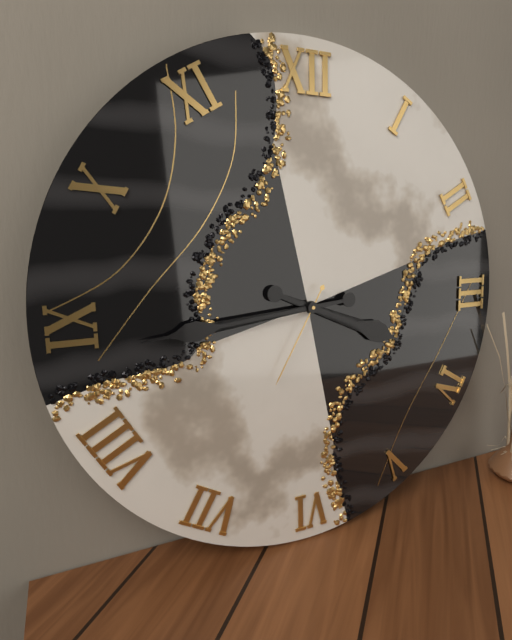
3:44:35
